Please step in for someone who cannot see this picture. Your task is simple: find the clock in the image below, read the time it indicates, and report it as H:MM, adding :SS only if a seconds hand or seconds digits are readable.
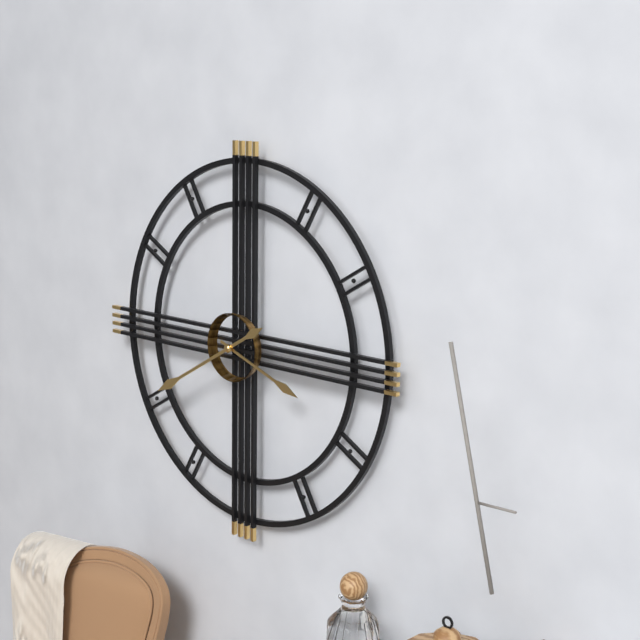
3:40
